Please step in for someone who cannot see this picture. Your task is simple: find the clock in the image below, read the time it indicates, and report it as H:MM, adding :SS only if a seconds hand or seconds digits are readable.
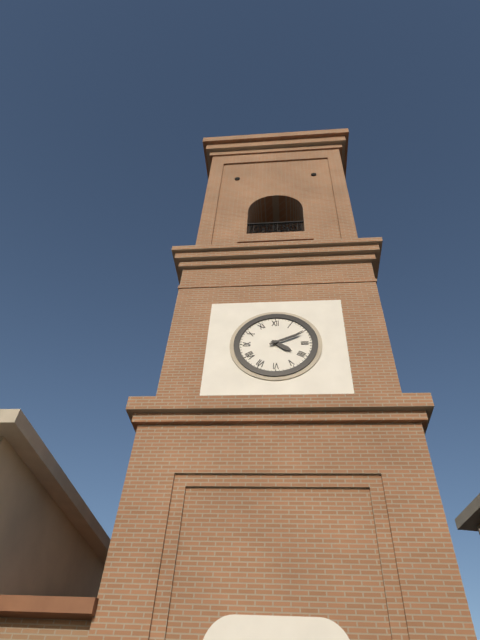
4:11
